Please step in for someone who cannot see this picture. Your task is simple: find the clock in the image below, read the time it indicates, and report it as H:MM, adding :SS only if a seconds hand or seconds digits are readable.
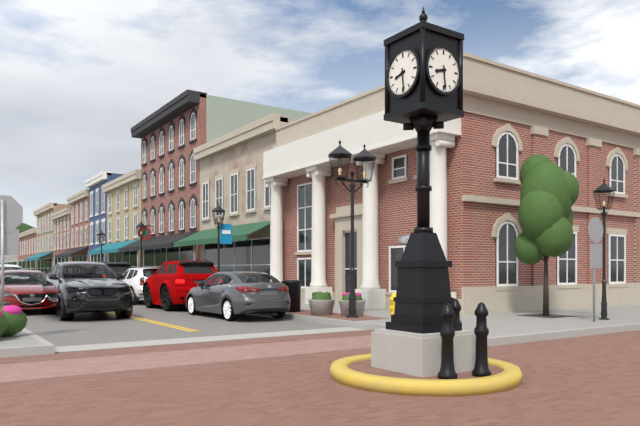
8:29
